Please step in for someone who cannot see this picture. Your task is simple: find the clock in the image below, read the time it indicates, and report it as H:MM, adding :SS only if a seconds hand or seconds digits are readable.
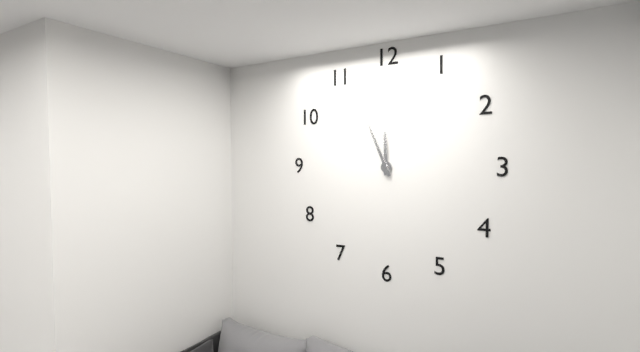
11:56
